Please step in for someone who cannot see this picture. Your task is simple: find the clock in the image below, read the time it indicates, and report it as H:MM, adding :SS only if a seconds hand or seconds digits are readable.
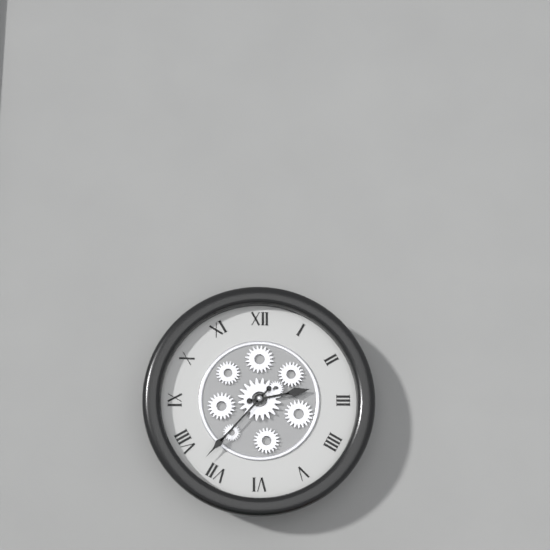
2:37
